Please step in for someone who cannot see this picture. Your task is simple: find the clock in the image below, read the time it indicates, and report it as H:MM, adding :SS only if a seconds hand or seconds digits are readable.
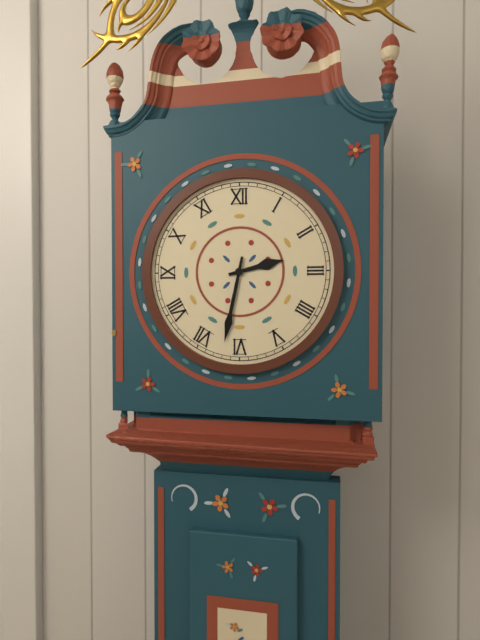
2:32
